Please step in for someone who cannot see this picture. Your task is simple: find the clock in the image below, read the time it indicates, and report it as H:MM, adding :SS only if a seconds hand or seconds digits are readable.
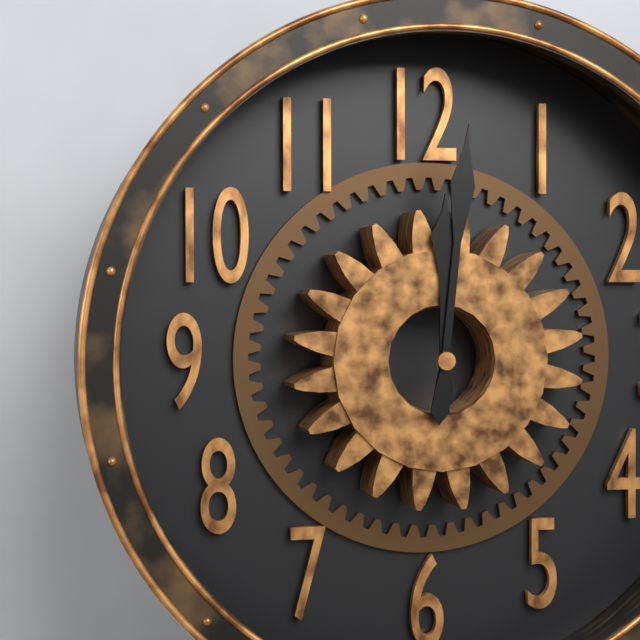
12:01
